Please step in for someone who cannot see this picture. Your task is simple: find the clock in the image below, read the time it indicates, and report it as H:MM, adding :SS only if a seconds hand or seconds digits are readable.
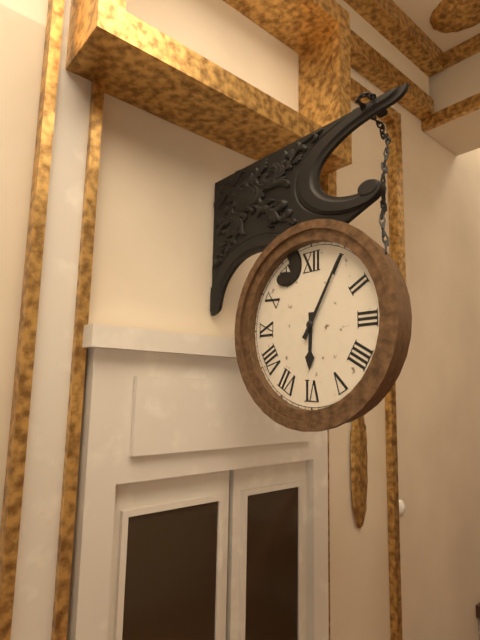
6:05
